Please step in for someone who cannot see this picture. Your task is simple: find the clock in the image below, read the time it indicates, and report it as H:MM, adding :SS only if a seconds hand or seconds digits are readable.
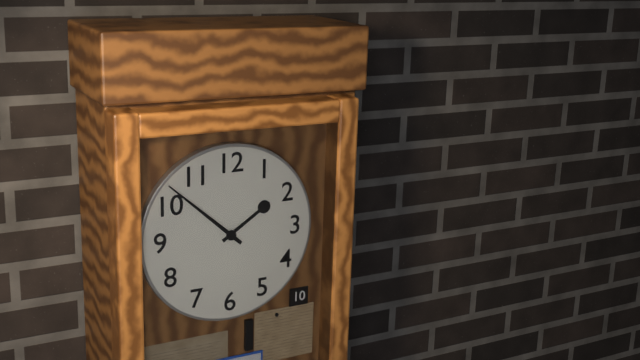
1:52
